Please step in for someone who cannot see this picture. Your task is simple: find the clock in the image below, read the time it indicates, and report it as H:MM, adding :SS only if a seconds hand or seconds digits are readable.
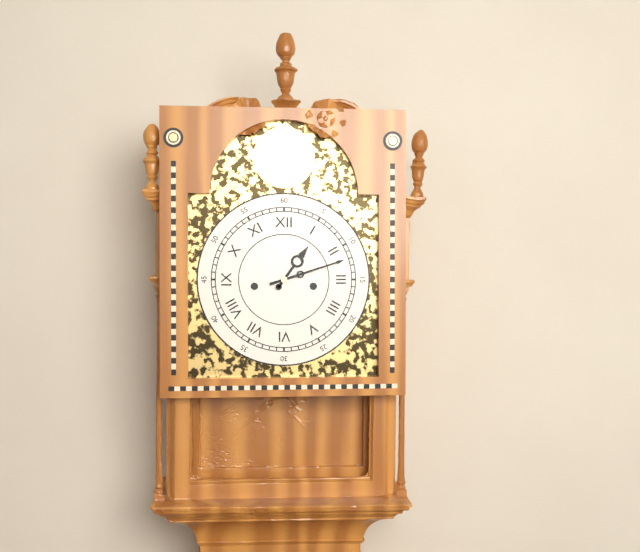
1:12
